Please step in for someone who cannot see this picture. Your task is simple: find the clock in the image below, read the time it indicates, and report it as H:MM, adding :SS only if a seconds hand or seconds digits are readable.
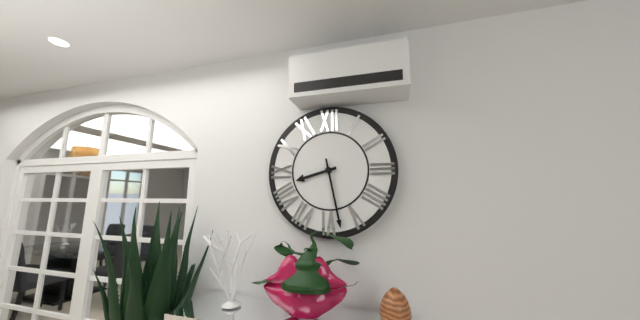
8:28
